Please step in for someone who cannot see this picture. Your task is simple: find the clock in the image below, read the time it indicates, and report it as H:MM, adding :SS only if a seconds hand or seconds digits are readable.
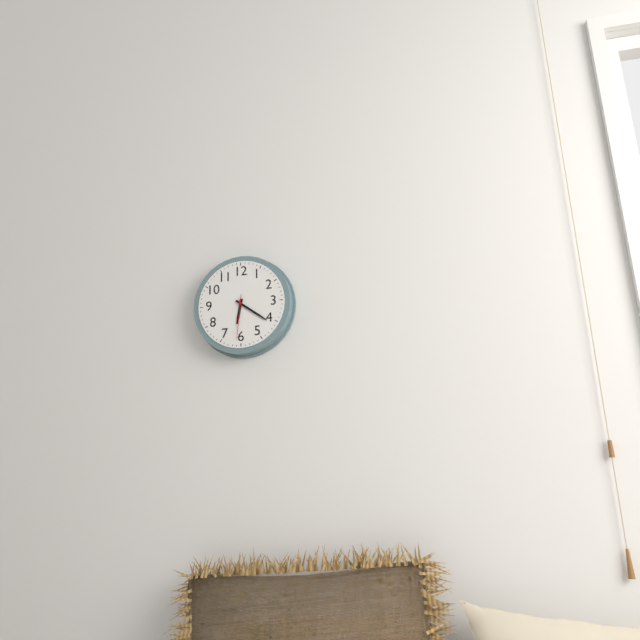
6:21
